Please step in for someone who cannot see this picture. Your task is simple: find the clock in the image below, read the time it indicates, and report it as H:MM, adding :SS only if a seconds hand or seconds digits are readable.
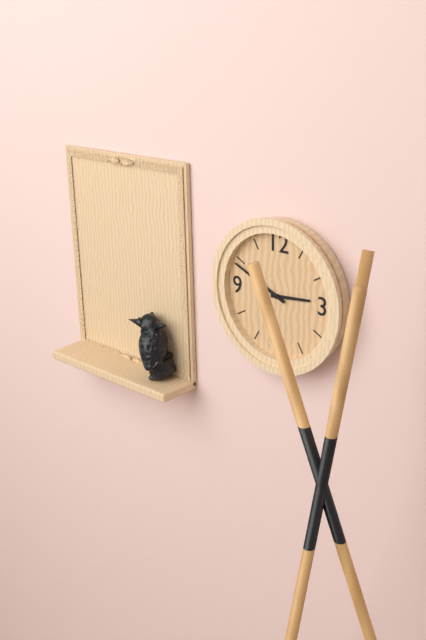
2:49
